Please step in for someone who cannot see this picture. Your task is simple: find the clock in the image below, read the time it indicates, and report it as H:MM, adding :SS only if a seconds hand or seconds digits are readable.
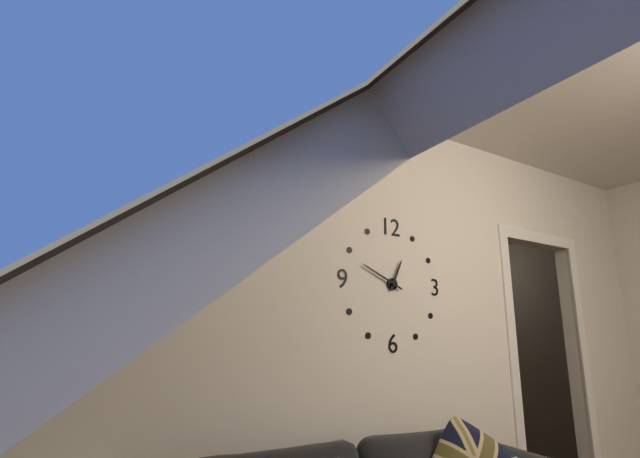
12:49
